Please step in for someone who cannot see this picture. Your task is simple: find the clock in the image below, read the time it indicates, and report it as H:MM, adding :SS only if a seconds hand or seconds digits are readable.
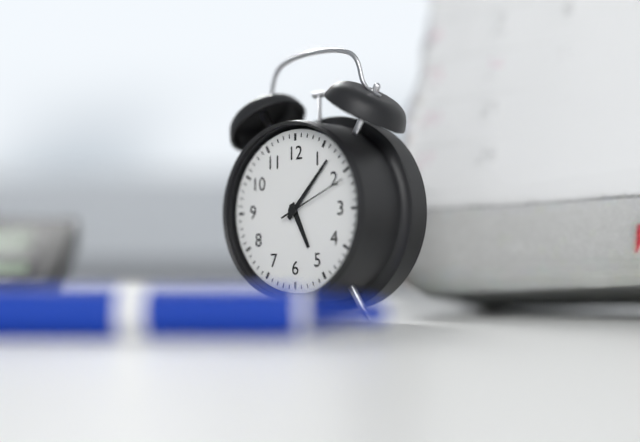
5:07:11
